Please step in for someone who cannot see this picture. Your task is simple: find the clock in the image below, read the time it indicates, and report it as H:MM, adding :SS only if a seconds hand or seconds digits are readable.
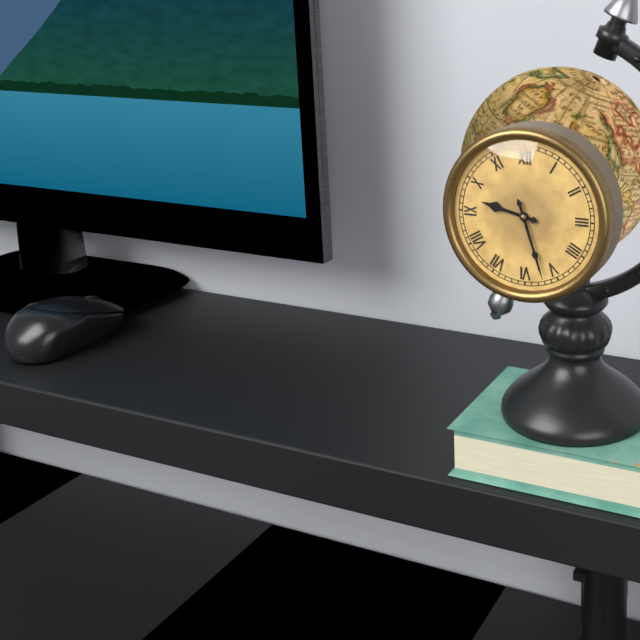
9:27
